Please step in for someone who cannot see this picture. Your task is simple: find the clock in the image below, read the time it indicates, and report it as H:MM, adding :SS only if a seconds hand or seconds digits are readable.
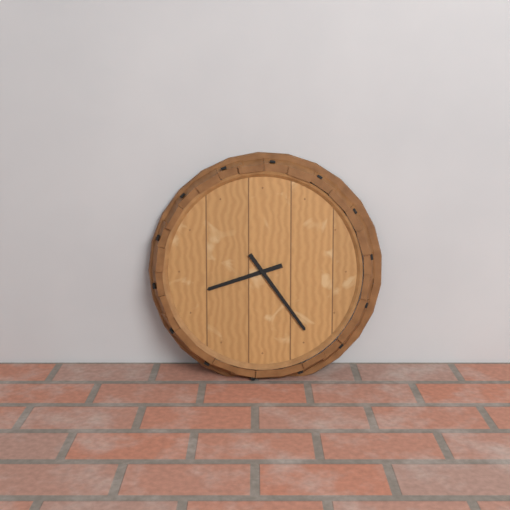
8:24
